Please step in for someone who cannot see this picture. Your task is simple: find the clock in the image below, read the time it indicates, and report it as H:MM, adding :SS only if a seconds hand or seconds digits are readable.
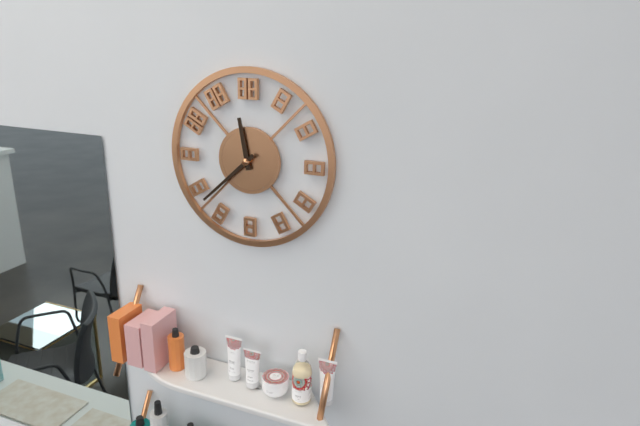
11:38
